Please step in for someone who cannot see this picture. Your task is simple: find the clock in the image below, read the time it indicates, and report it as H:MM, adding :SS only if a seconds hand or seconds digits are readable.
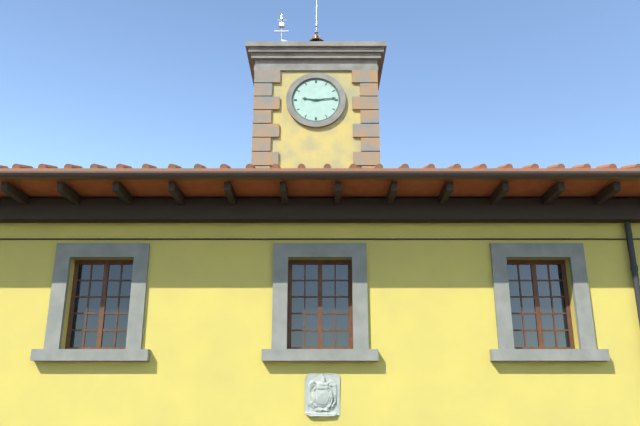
9:14
